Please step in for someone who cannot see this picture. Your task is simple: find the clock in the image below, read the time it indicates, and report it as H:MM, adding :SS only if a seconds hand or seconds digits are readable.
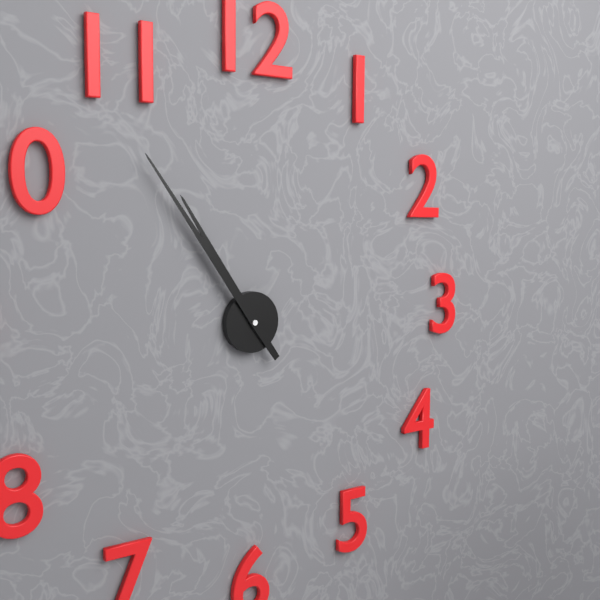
10:54
